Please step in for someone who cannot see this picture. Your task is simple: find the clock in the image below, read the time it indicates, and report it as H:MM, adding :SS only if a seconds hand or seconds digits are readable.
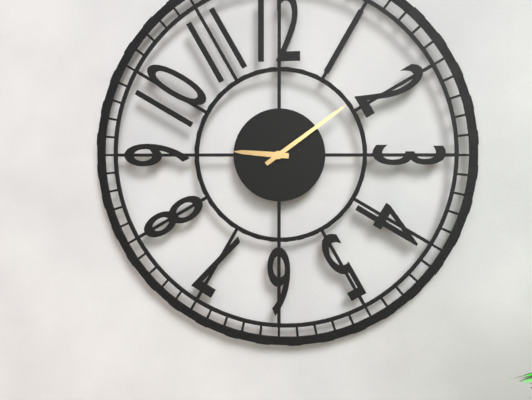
9:09
